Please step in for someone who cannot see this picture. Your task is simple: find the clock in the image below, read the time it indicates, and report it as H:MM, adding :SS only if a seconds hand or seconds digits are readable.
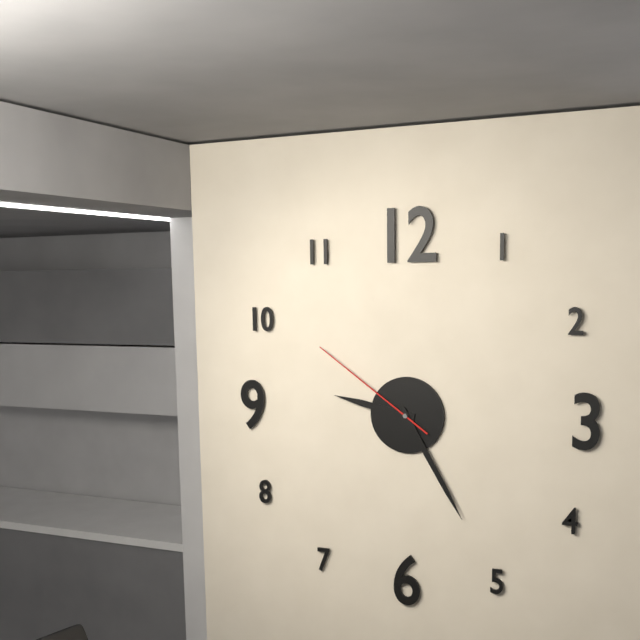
9:25:51
